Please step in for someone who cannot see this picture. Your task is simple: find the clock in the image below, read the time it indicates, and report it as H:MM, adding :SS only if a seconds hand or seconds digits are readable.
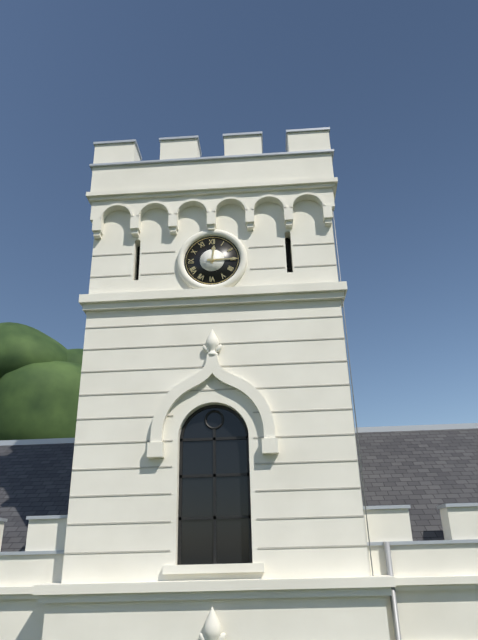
12:15
